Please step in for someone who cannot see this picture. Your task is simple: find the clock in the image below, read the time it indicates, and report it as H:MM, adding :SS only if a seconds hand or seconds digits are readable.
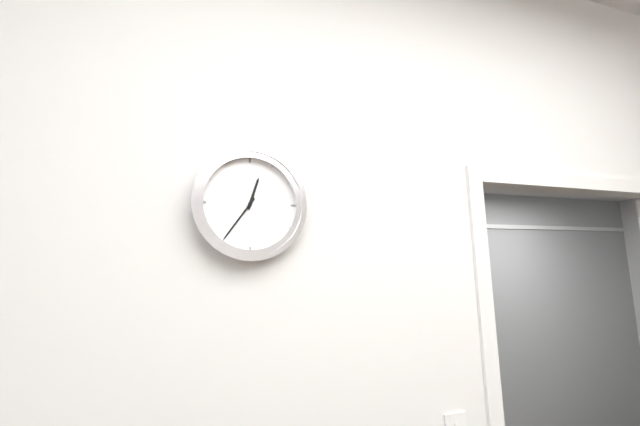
12:36
